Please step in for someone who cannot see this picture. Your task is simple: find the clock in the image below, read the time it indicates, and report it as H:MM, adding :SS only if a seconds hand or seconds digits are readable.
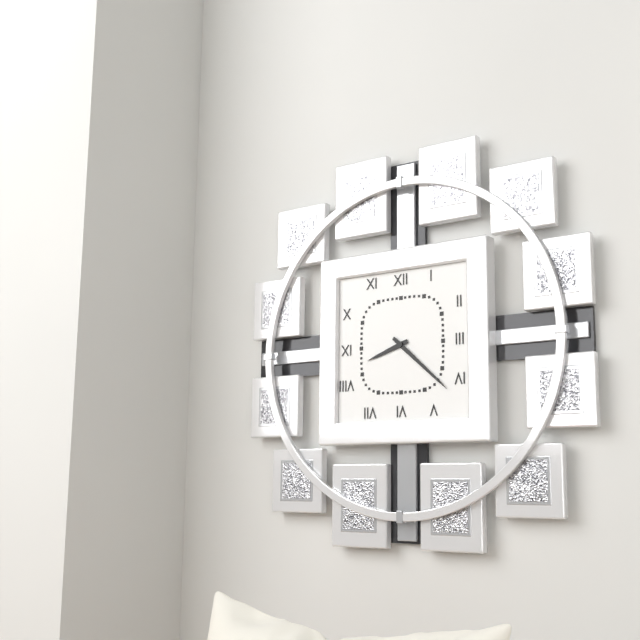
8:22
